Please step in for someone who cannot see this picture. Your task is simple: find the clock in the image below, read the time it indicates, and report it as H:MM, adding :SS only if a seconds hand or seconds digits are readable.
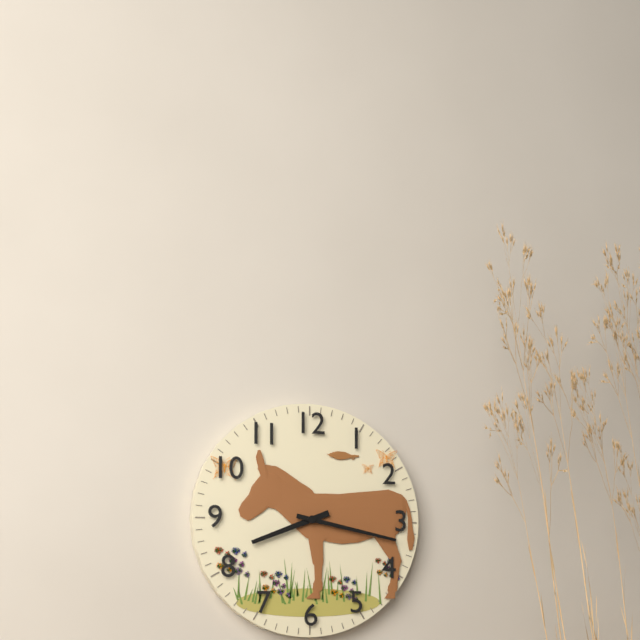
8:17
